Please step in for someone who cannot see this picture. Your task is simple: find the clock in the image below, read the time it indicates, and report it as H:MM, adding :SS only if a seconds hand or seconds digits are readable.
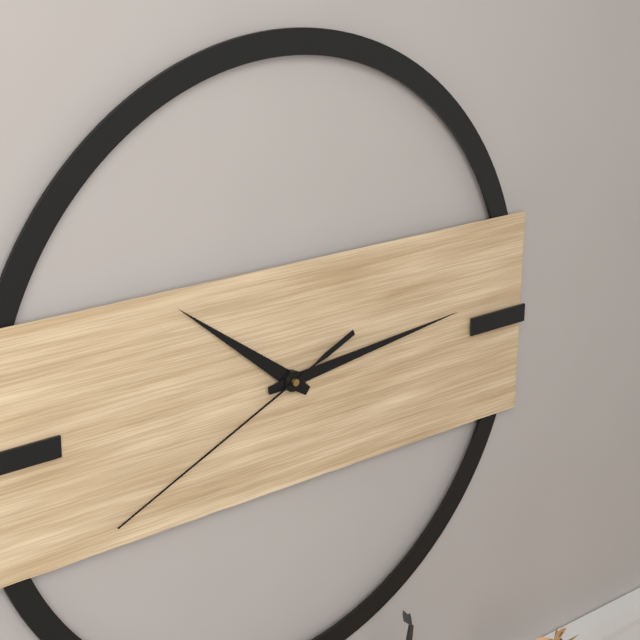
10:14:41
